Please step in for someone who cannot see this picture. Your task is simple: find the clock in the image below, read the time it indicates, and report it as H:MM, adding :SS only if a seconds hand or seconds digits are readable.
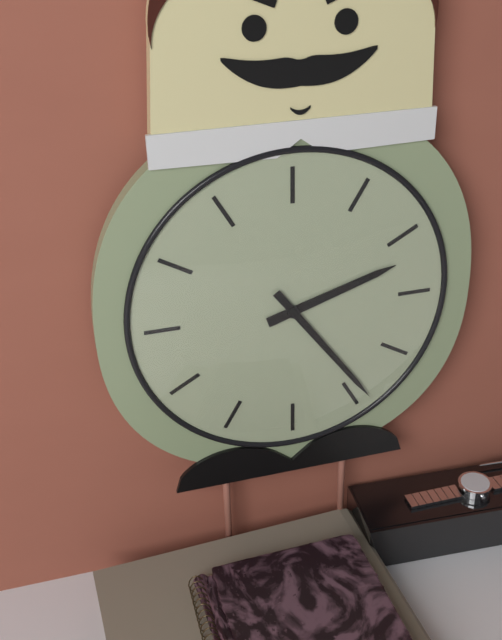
2:24
